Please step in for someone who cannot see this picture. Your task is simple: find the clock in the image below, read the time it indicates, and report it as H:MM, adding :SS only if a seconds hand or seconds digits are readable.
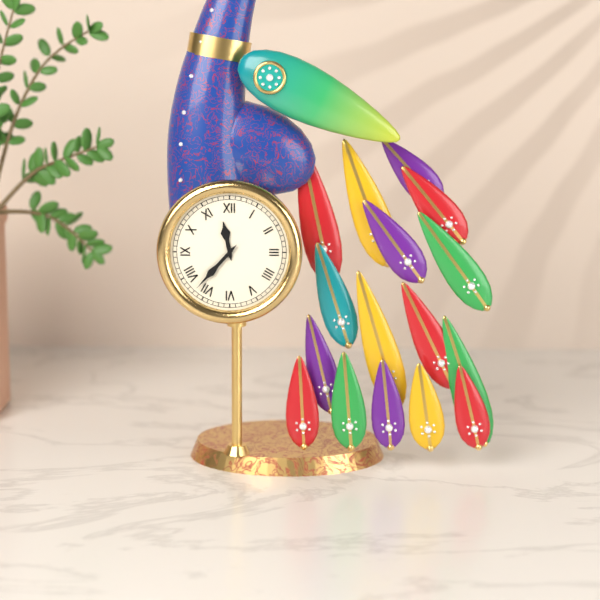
11:37
